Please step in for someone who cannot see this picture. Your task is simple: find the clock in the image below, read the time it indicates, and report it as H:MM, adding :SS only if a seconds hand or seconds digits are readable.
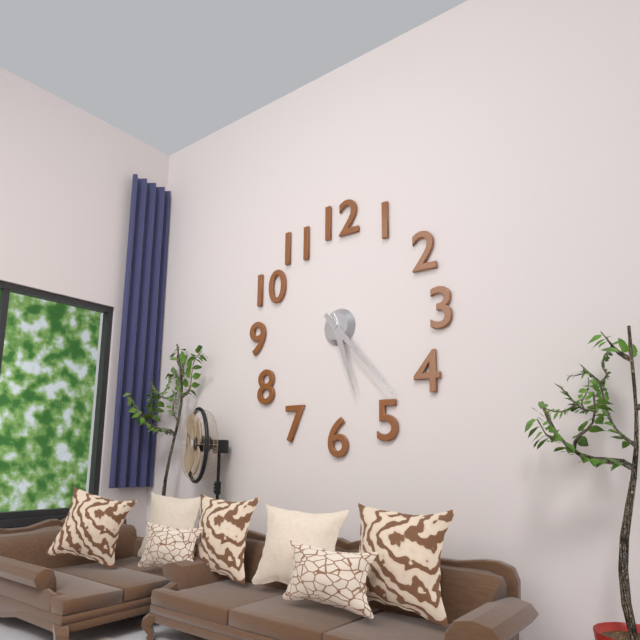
5:23
